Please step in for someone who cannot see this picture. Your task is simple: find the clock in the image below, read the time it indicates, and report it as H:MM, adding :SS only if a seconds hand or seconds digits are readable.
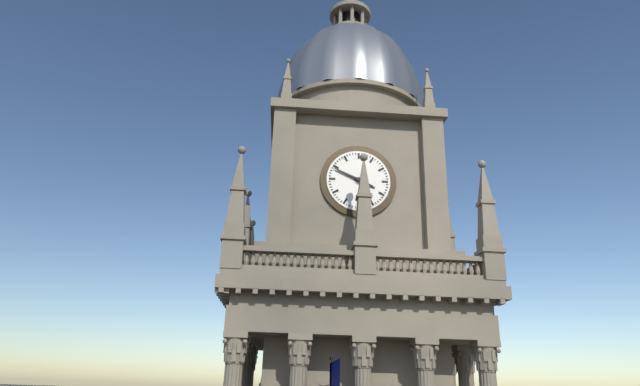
3:49
